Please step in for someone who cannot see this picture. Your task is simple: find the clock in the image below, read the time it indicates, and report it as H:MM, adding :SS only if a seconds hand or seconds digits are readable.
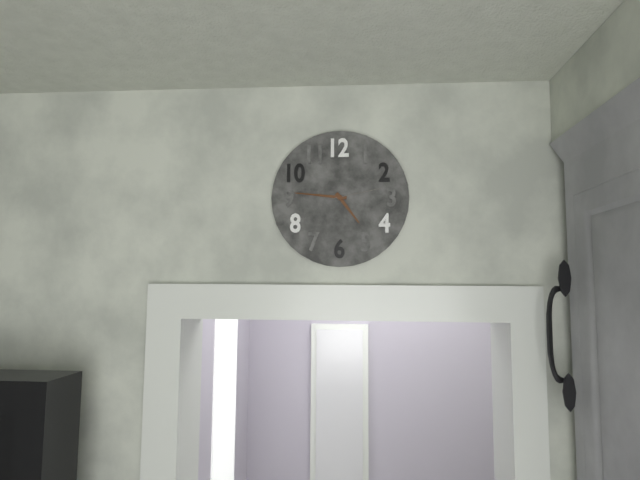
4:46:13
